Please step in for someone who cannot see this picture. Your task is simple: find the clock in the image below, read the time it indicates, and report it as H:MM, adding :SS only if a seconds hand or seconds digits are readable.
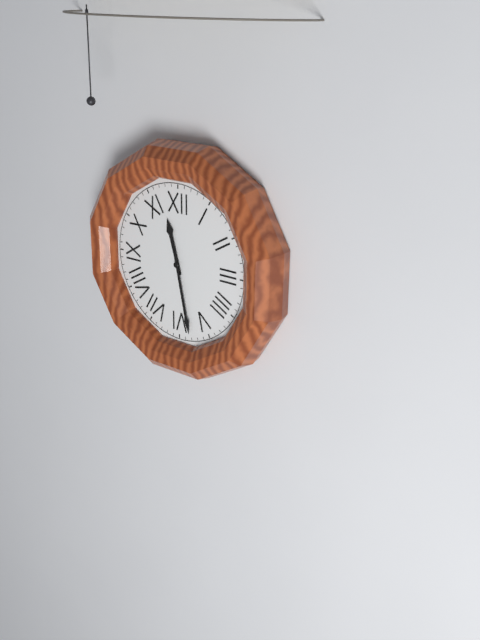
11:28
